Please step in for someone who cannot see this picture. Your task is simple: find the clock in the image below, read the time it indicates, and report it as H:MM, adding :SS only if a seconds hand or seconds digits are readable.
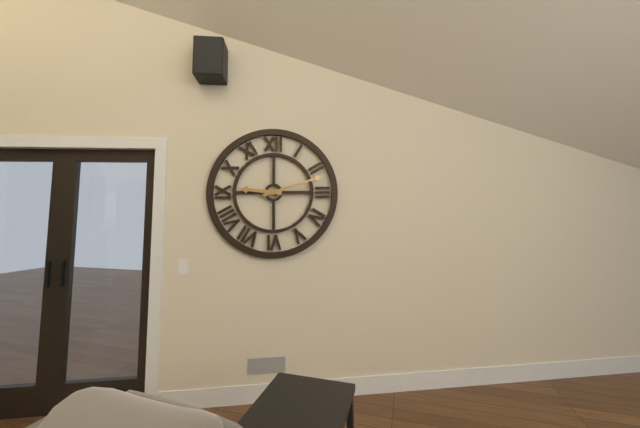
9:12
